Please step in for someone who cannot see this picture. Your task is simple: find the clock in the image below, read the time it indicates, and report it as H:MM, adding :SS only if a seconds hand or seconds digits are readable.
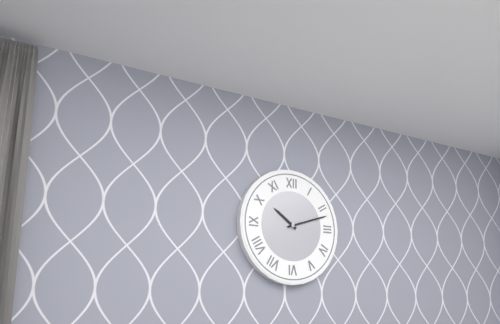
10:12
